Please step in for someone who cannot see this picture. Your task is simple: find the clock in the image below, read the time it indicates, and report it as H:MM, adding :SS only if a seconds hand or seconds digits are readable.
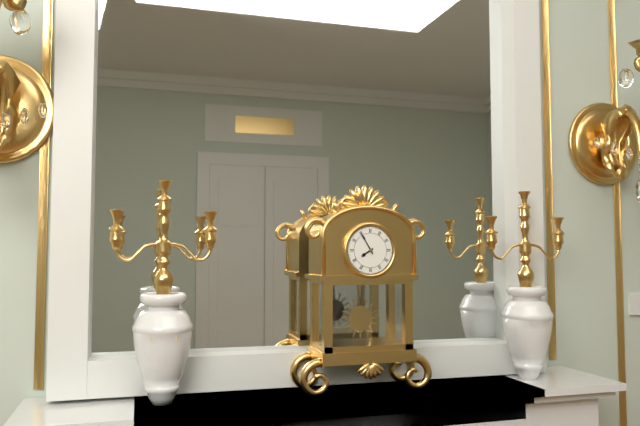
7:55
